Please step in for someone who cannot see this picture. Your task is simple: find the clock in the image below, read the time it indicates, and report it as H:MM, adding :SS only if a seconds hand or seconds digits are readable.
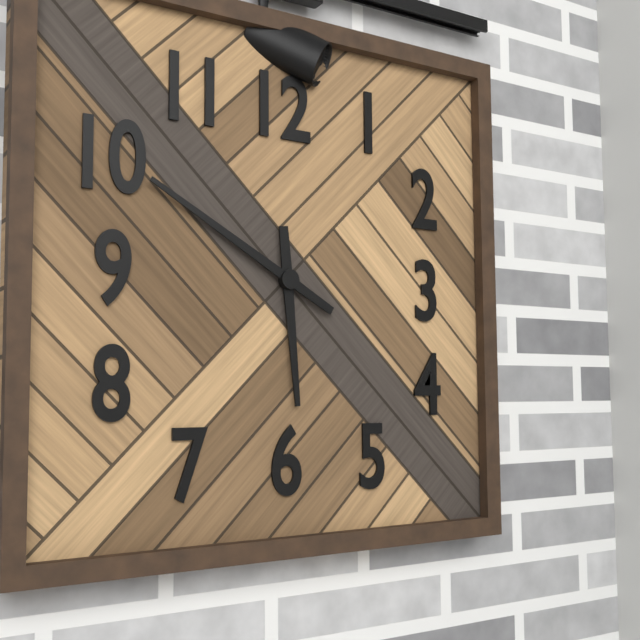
5:50
